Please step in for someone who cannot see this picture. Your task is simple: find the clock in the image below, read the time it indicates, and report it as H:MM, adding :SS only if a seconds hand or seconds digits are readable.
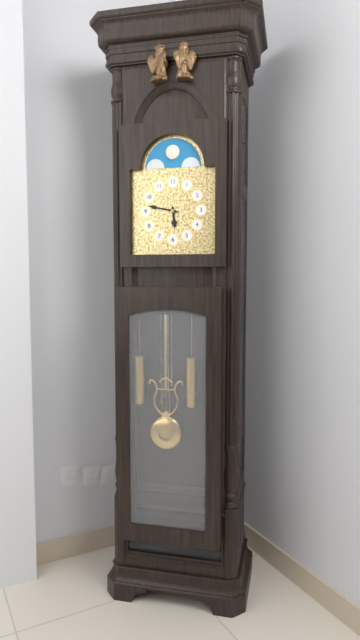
5:47
